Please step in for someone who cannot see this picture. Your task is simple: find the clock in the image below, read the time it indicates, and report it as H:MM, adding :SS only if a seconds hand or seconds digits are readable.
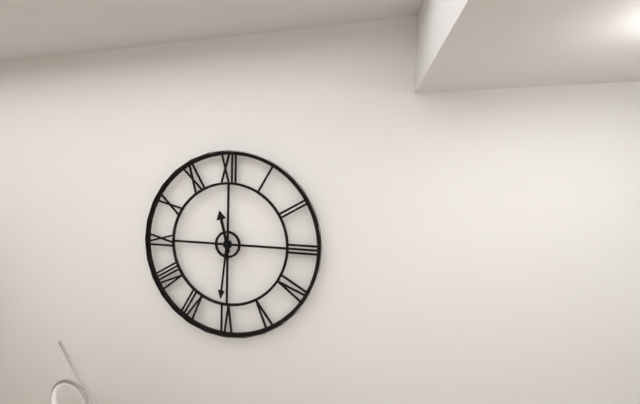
11:31
